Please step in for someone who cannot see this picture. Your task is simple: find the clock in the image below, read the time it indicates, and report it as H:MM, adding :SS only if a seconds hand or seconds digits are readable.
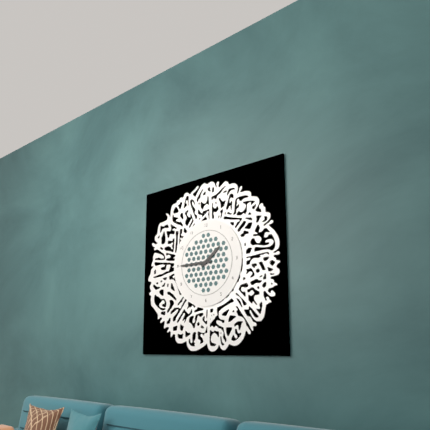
1:45
